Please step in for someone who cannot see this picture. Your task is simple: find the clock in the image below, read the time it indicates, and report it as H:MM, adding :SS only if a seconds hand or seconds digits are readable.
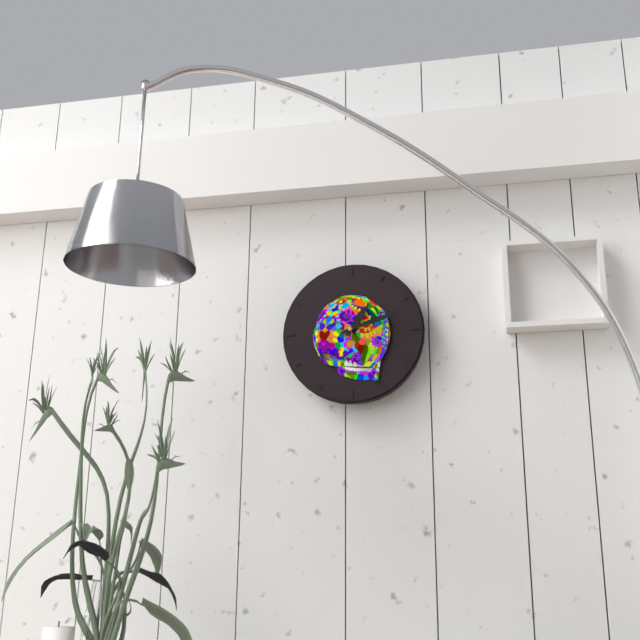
1:12
